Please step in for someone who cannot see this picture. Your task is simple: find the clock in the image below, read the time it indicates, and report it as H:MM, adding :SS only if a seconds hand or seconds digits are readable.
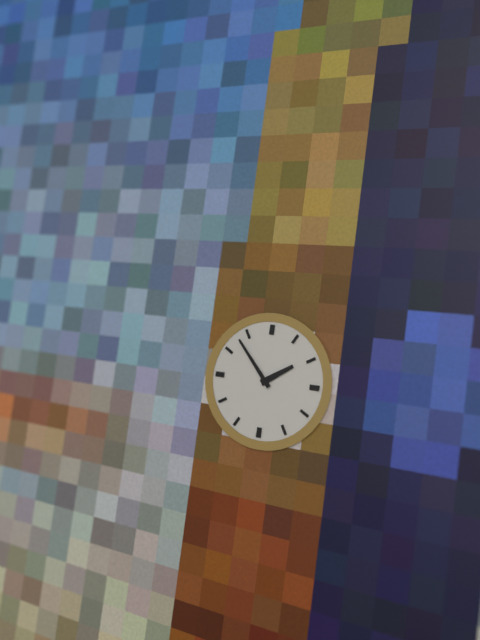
1:53
